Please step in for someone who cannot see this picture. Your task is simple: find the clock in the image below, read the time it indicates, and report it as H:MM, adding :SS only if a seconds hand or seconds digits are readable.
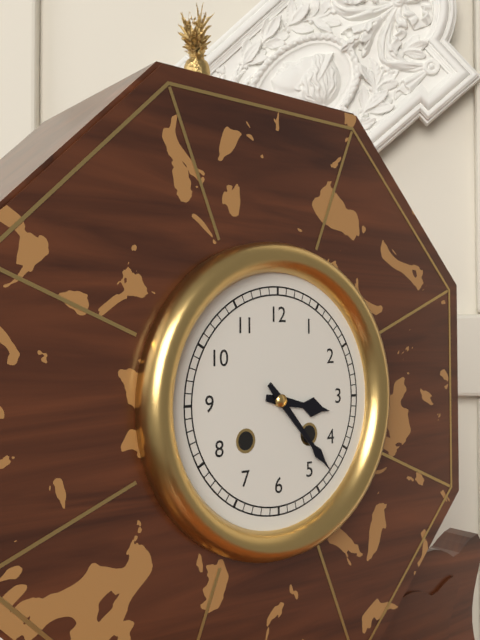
3:23
